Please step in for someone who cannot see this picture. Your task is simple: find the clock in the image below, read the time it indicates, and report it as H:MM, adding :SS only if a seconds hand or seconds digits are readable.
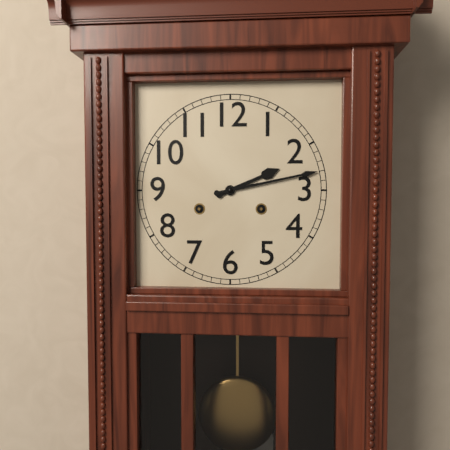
2:13
